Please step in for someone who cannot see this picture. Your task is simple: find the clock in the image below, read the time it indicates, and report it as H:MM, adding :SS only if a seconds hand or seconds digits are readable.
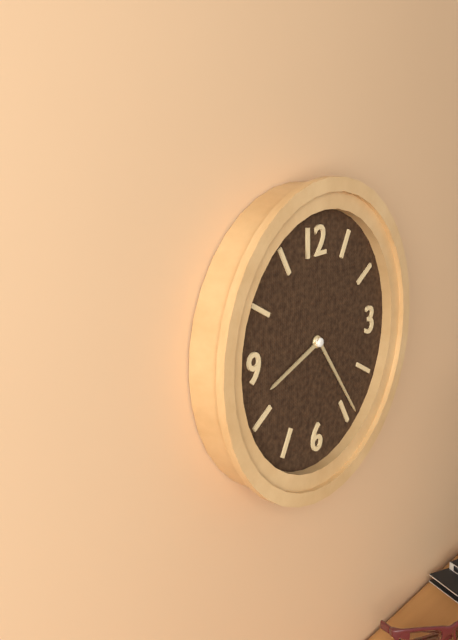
8:24
